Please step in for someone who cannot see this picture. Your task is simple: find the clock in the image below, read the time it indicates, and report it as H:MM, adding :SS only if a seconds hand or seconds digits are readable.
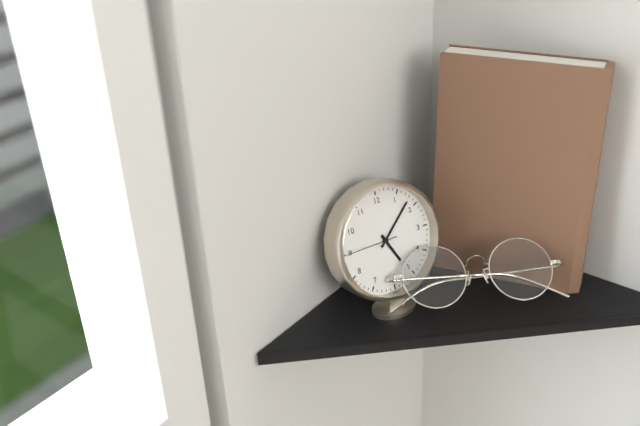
5:08:45
